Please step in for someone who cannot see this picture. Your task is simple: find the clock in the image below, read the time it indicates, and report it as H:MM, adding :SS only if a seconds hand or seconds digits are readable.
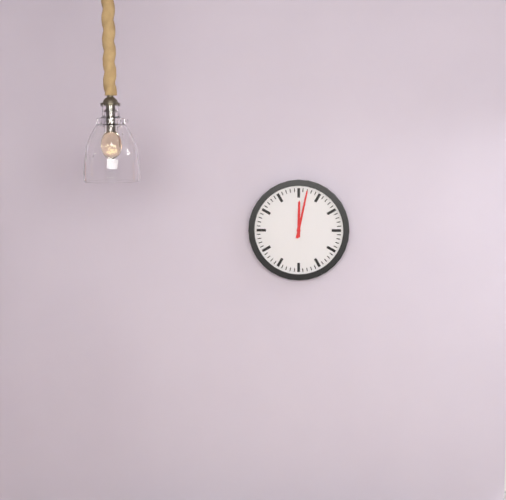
12:02
